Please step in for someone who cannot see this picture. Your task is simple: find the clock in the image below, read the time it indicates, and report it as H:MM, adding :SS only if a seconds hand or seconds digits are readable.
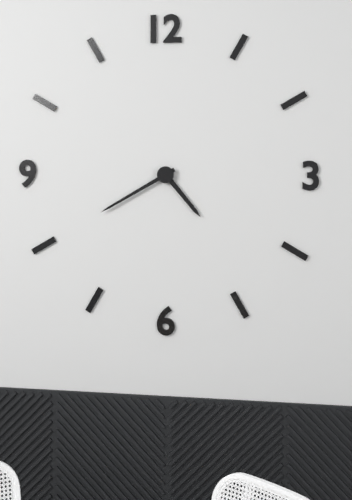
4:40
